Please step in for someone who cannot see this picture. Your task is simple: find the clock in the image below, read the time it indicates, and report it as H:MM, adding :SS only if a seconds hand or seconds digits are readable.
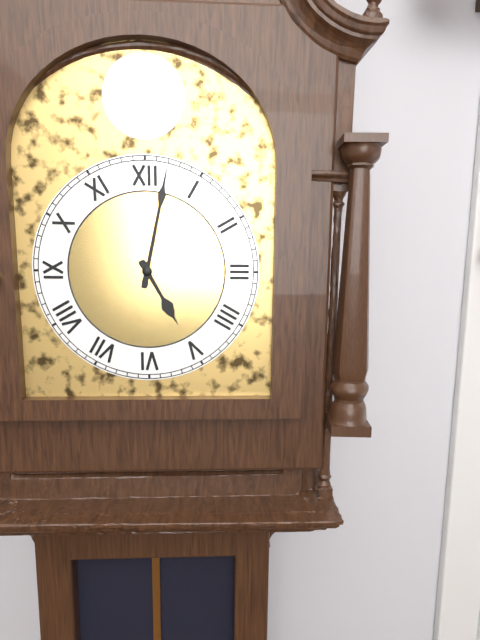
5:02
